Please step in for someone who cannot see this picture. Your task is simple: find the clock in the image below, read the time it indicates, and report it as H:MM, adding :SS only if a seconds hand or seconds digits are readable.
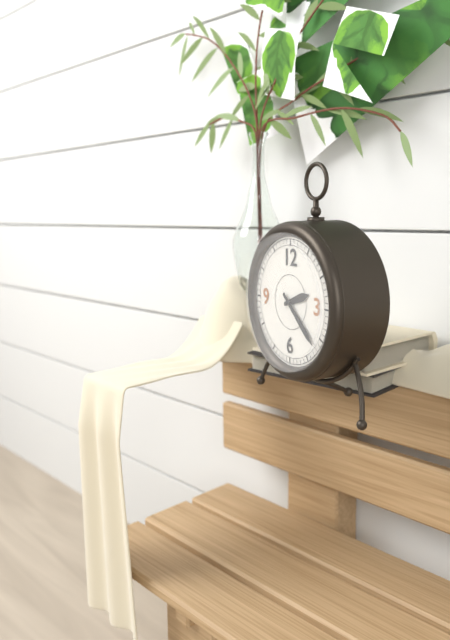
2:22
